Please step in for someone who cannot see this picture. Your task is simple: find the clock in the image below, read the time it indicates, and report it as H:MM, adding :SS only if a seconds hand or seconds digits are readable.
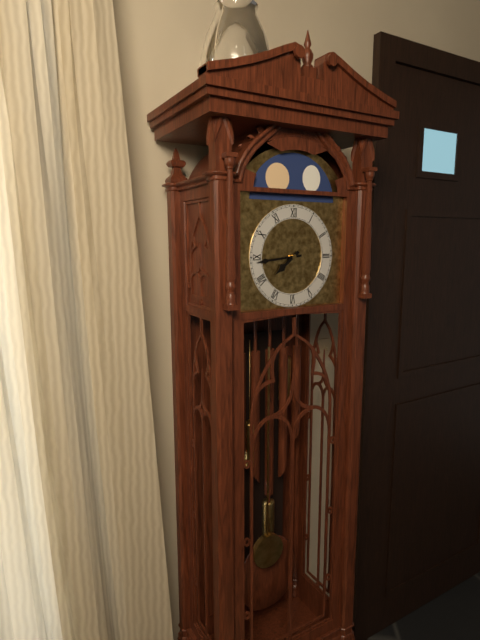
7:44
